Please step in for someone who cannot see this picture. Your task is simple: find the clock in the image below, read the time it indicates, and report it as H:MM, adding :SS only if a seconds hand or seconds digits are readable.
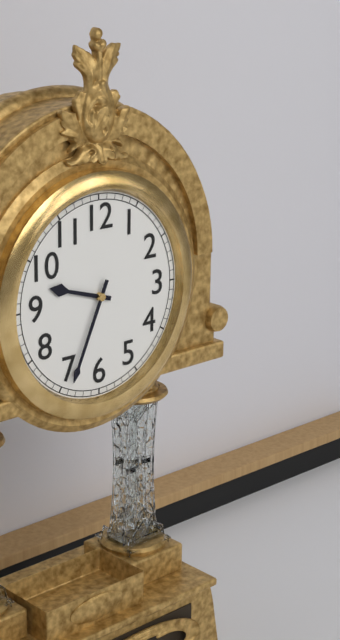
9:34
